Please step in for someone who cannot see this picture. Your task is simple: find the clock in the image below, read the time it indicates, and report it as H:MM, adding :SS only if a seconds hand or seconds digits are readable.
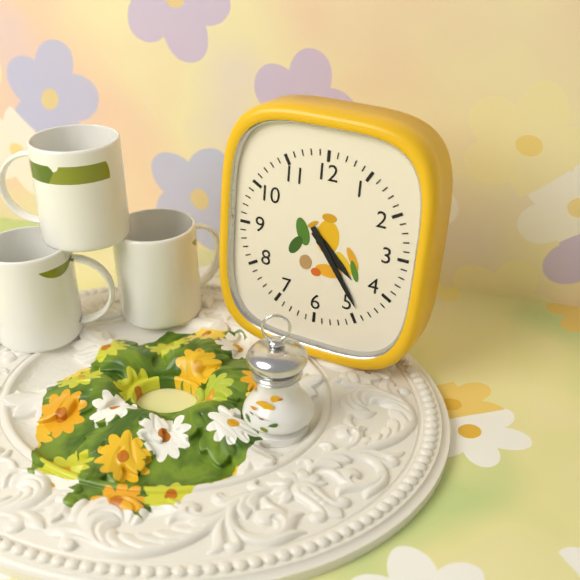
4:24
